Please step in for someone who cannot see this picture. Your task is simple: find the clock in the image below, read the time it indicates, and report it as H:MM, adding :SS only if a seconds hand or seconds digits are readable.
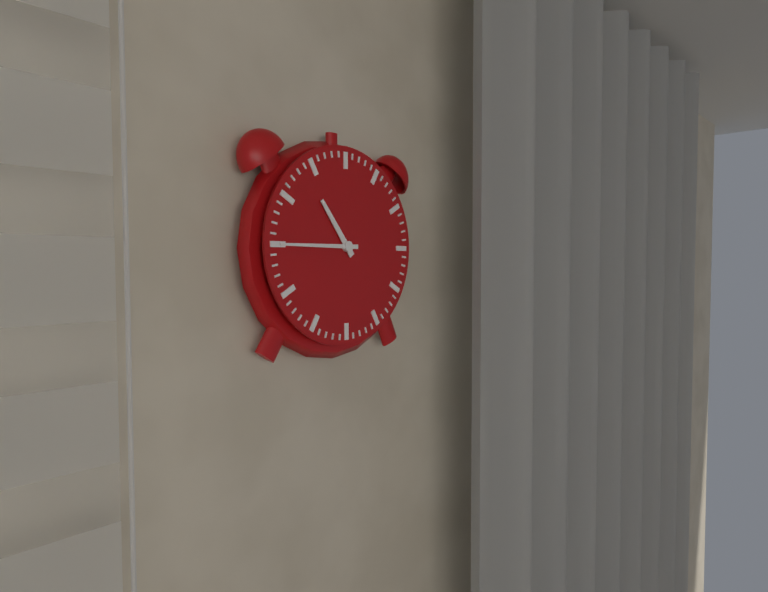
10:45
